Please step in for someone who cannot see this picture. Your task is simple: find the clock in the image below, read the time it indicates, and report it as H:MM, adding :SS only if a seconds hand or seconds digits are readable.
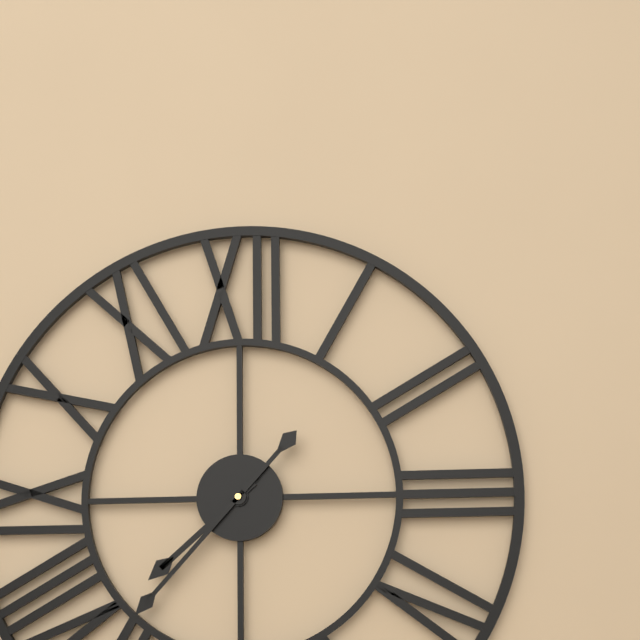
7:37
